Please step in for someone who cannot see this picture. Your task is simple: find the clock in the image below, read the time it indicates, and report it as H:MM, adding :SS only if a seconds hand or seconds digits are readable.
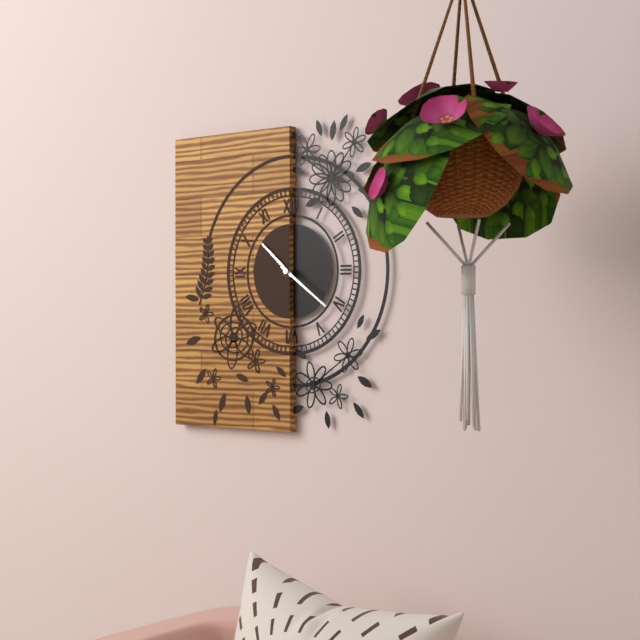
10:21
